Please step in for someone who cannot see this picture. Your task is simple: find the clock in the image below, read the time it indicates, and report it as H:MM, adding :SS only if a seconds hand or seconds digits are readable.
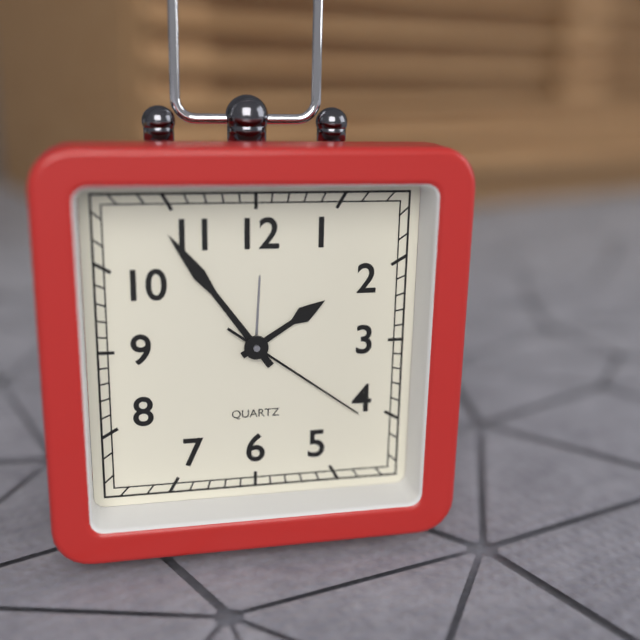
1:54:21
